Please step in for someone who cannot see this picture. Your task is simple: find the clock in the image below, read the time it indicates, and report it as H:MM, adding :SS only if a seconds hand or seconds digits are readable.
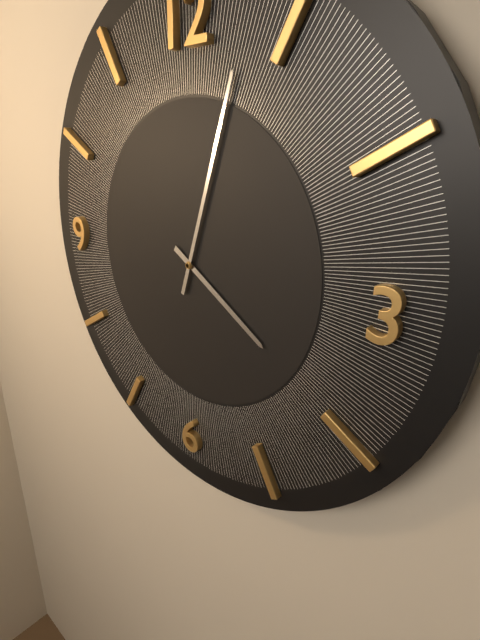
4:03
